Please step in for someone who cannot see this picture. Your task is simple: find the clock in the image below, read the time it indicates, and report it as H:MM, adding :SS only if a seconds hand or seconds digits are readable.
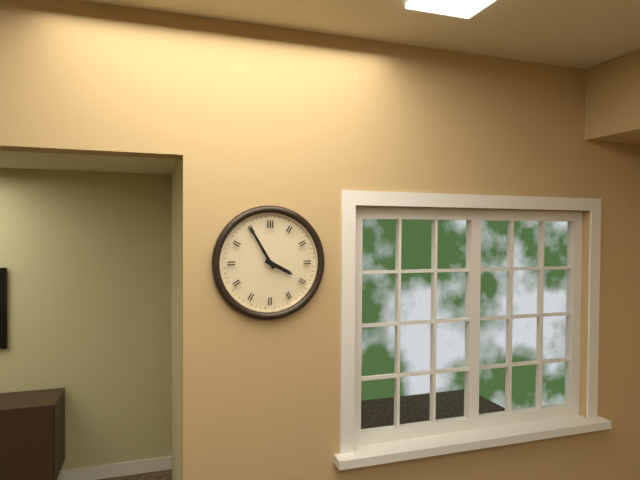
3:55
